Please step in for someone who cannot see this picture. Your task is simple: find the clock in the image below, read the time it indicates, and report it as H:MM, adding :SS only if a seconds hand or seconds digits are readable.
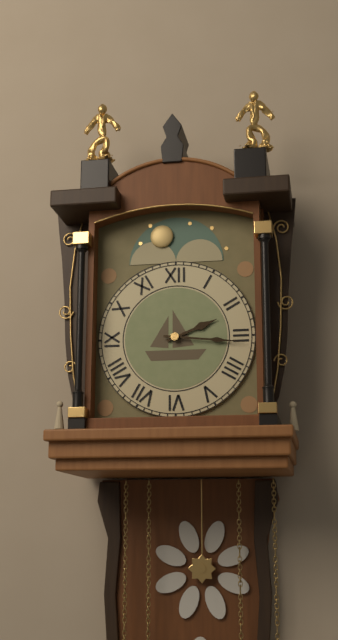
2:16
